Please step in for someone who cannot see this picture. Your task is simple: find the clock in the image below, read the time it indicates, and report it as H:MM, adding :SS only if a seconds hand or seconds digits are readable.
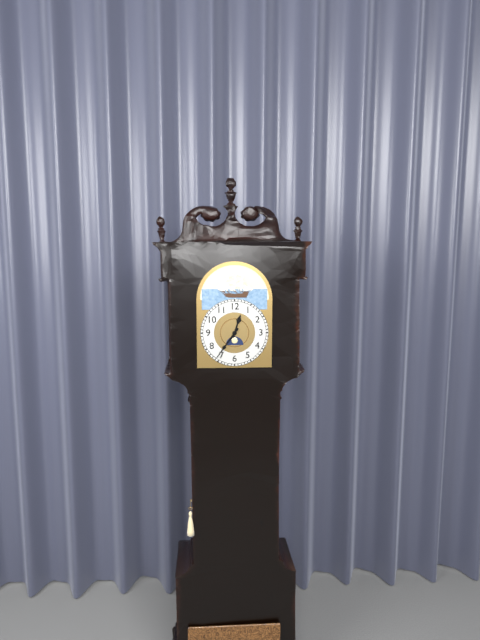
12:36
